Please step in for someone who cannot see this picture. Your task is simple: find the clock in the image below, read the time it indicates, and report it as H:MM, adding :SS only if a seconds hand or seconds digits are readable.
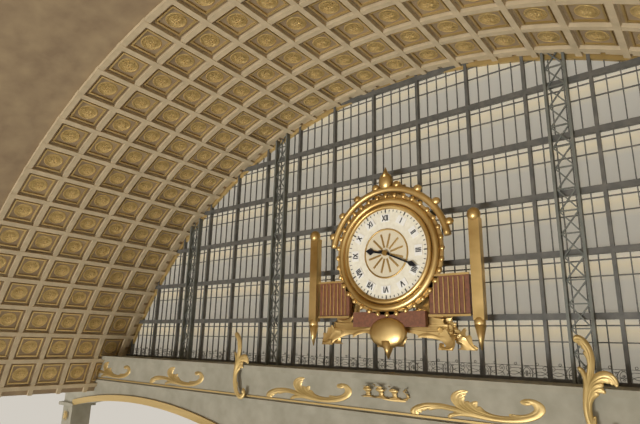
9:19
